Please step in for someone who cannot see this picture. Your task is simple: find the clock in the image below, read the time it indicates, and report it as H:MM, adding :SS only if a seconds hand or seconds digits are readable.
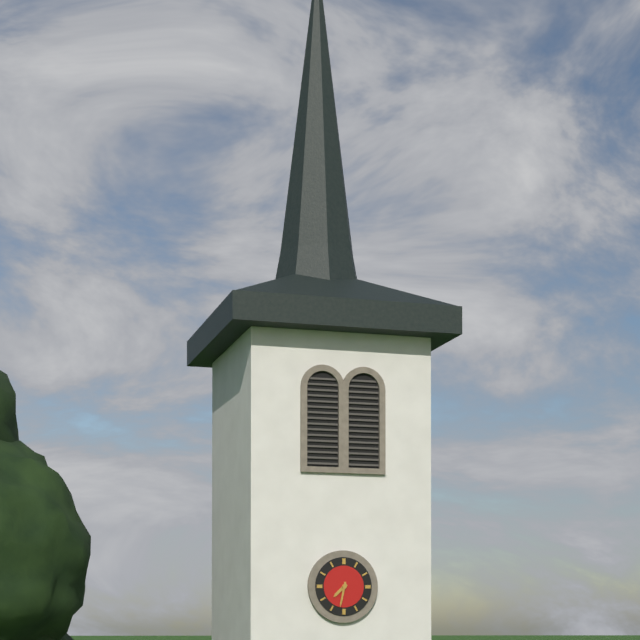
7:32
